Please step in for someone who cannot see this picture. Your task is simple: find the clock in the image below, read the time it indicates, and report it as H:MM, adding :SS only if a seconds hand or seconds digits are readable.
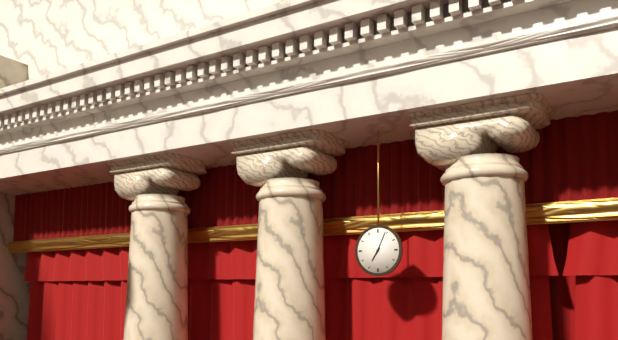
7:04
